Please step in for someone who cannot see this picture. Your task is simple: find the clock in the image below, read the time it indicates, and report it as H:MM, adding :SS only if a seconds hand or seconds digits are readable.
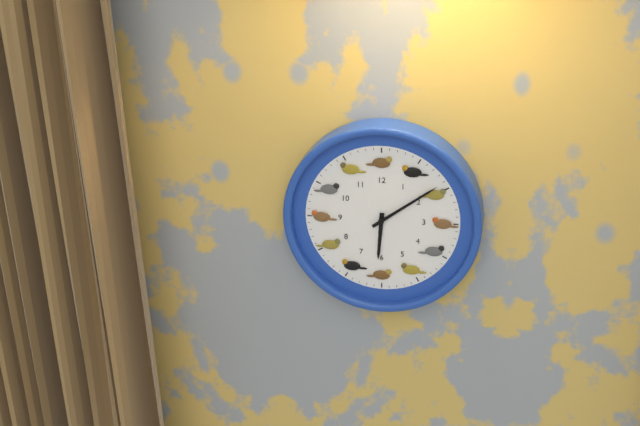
6:09
